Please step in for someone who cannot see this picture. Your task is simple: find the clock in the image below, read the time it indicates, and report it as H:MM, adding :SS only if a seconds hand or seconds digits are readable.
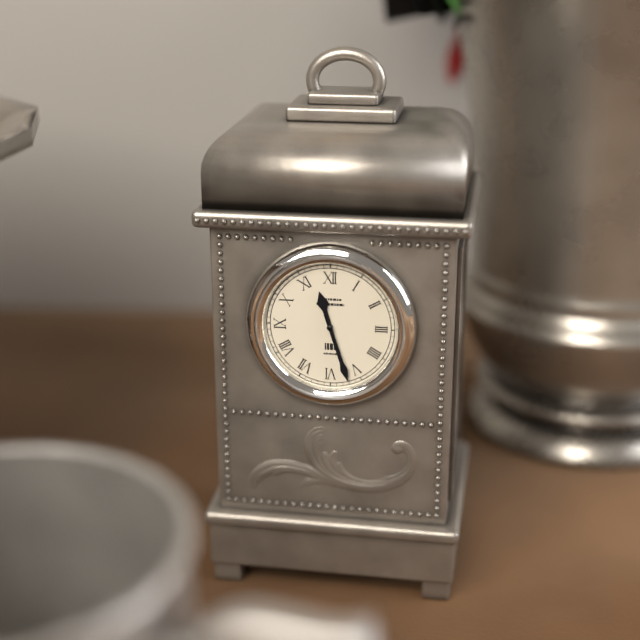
11:27
